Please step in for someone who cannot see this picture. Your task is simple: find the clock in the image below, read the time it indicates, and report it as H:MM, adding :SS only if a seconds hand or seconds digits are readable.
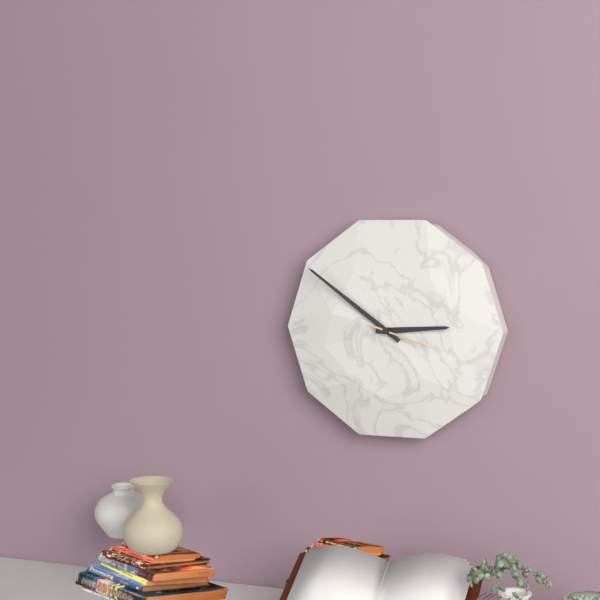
2:51:18
